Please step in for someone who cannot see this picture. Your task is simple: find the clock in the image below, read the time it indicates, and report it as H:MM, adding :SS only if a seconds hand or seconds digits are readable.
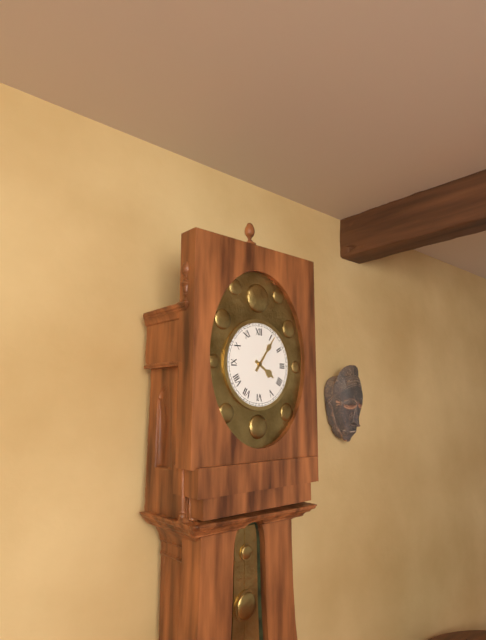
4:06
